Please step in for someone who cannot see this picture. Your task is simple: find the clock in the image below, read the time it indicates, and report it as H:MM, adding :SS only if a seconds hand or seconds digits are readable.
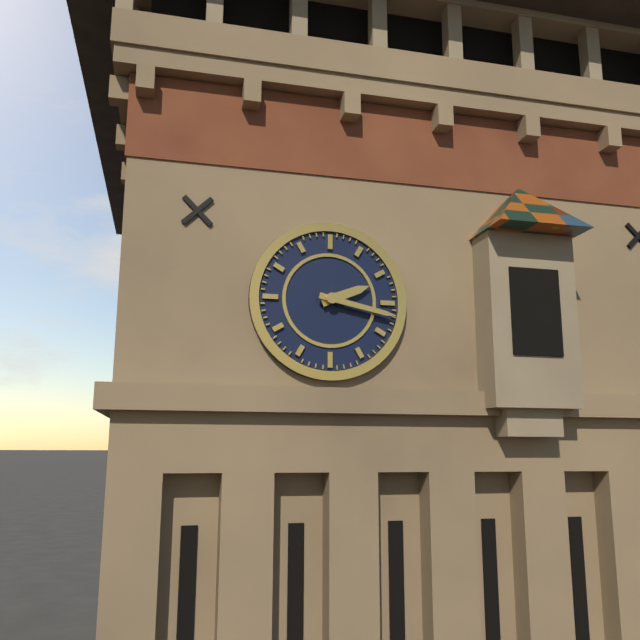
2:17
